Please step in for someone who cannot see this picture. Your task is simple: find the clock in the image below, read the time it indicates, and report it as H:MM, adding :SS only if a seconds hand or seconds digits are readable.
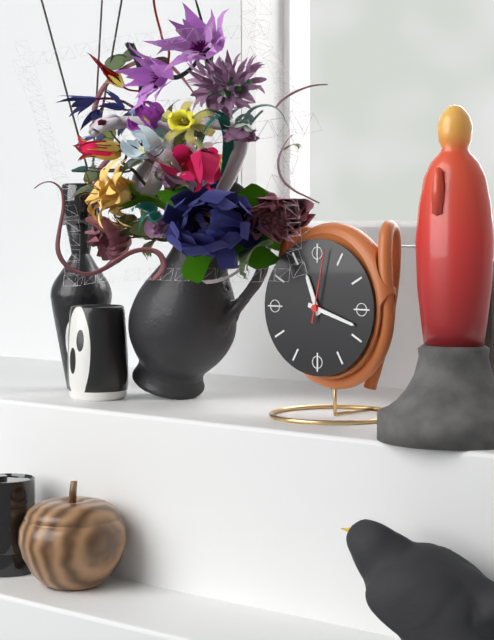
11:18:02
